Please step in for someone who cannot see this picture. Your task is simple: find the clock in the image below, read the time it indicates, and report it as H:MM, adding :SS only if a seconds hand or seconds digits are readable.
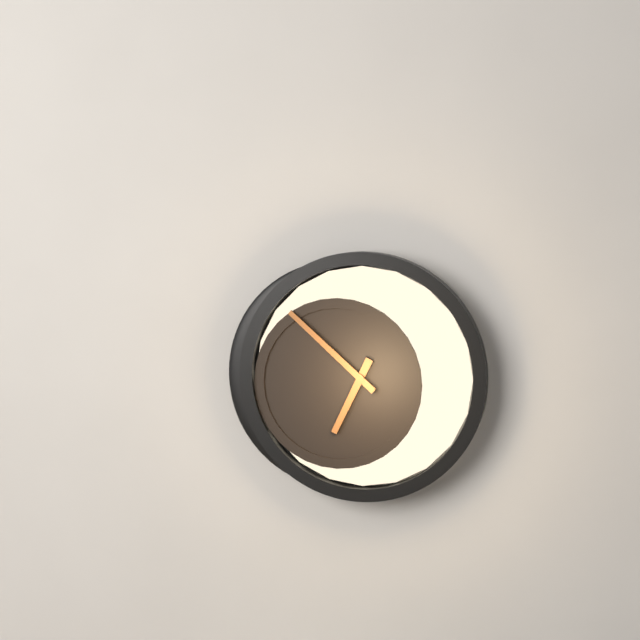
6:52
